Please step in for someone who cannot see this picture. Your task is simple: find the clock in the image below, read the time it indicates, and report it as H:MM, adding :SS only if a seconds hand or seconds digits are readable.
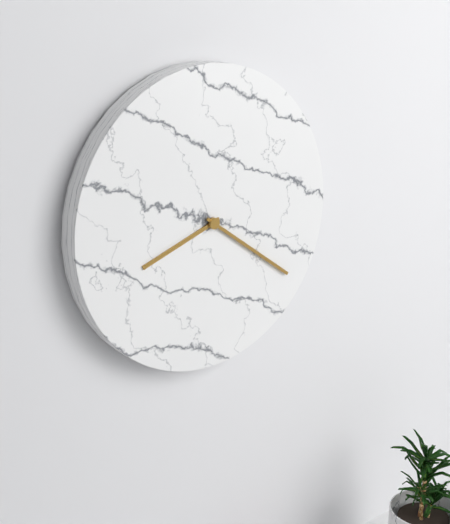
8:21
